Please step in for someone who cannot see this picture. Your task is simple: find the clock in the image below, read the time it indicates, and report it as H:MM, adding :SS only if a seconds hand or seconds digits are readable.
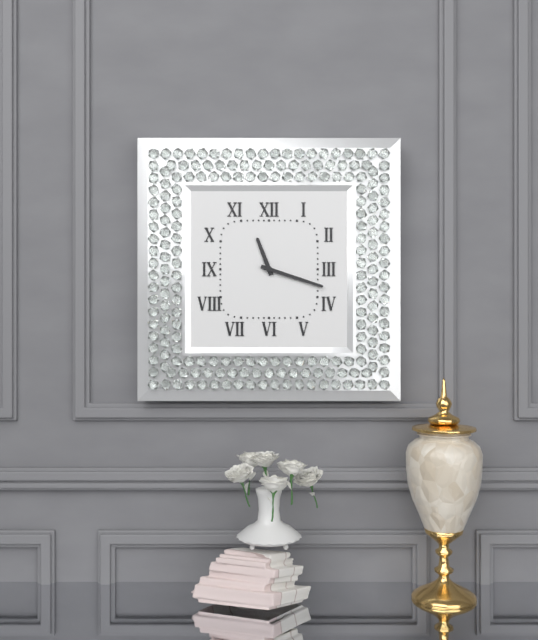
11:18
